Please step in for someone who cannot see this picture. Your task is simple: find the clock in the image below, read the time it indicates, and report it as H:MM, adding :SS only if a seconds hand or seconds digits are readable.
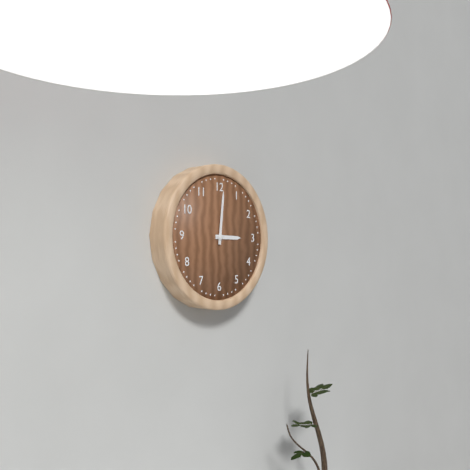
3:01
